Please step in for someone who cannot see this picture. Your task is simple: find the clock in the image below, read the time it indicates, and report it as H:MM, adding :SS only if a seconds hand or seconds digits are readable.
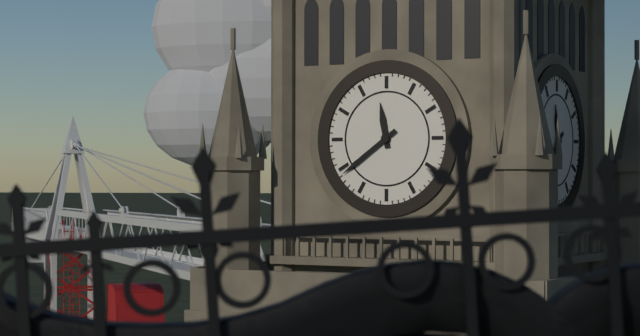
11:39
